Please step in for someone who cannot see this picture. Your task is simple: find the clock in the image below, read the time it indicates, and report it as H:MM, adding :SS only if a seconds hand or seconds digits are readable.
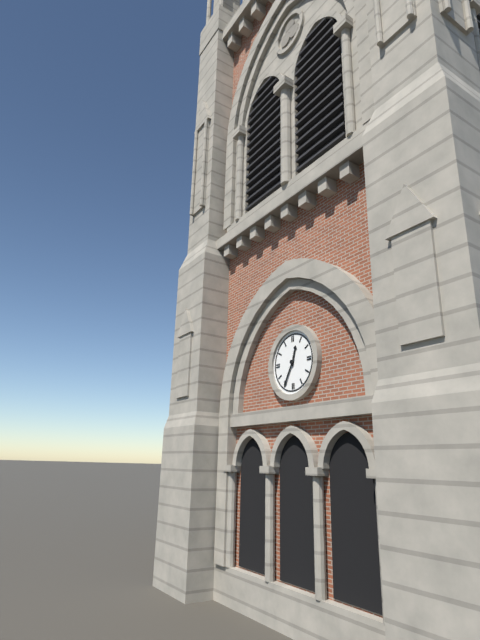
12:35
